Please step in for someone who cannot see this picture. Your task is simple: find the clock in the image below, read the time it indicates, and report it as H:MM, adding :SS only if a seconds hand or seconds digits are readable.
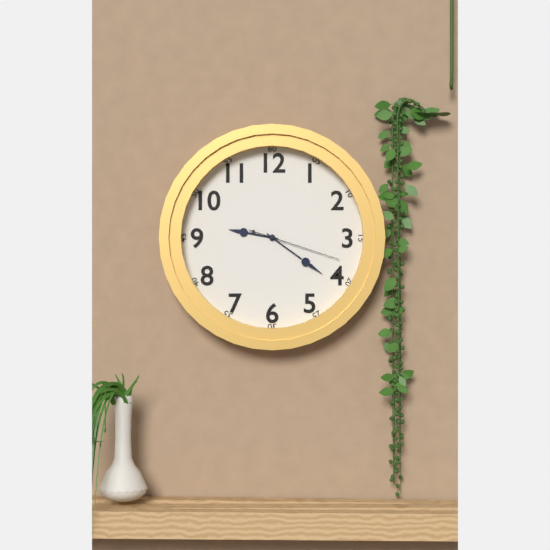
9:21:18
